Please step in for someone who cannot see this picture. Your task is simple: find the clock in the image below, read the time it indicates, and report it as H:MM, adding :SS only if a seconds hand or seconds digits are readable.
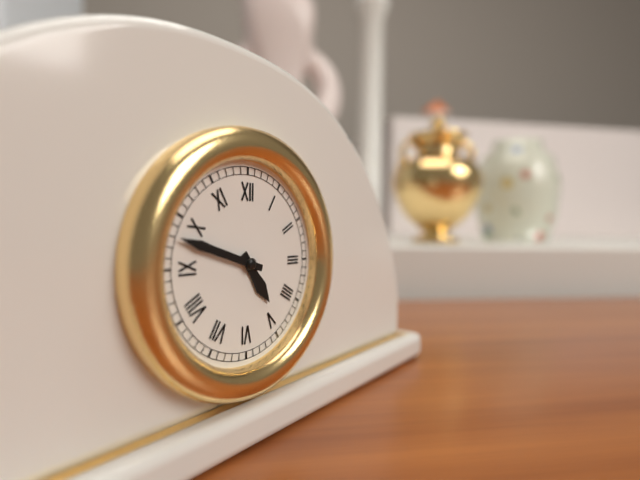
4:48
